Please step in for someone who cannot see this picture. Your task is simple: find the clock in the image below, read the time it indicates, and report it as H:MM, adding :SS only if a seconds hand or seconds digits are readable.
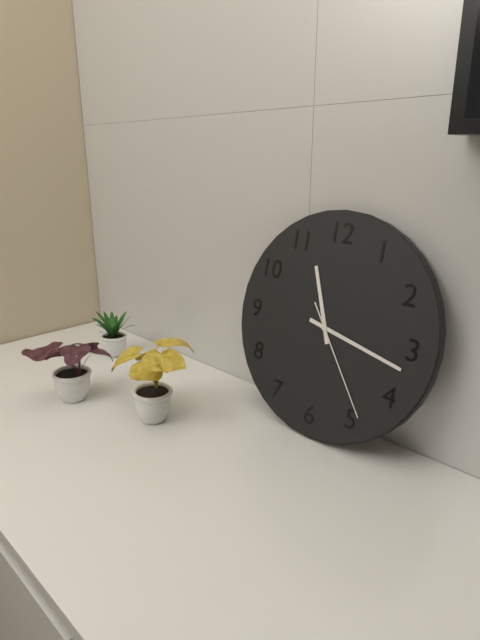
11:17:24
